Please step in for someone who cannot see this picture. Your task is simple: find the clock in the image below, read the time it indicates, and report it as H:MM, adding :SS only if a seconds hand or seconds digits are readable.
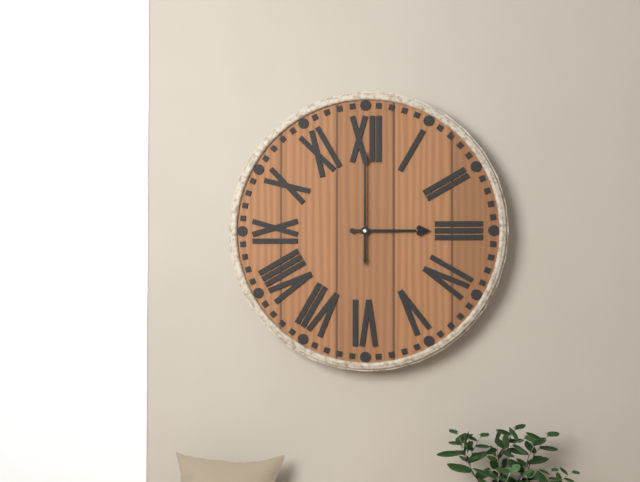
3:00
